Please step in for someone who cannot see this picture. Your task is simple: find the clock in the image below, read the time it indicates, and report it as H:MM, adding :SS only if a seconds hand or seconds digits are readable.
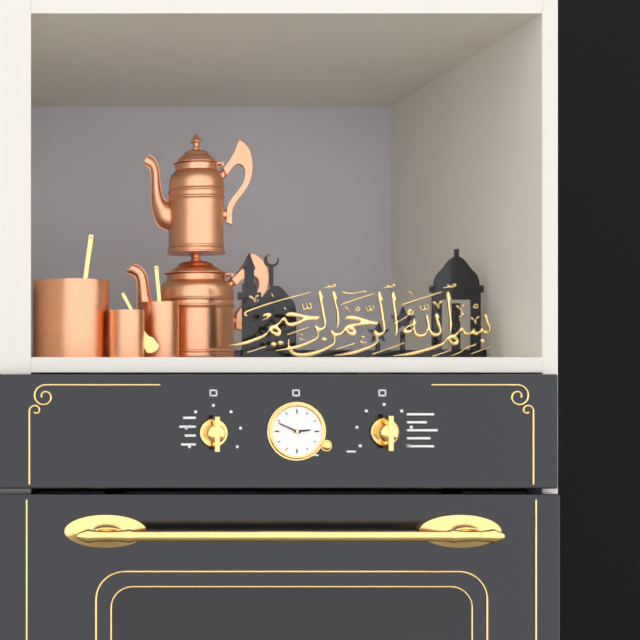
2:49
